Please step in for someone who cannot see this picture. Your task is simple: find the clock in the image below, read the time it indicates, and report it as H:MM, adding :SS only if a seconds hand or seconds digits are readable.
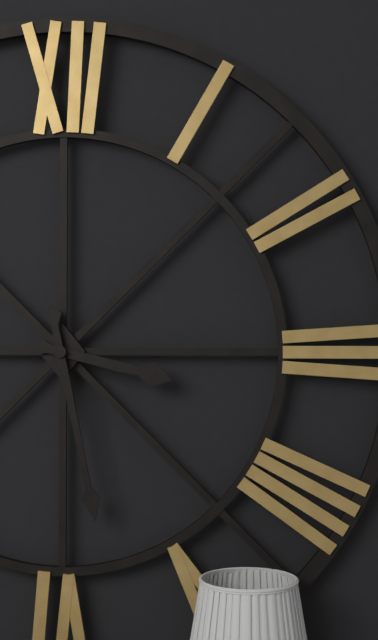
3:28
